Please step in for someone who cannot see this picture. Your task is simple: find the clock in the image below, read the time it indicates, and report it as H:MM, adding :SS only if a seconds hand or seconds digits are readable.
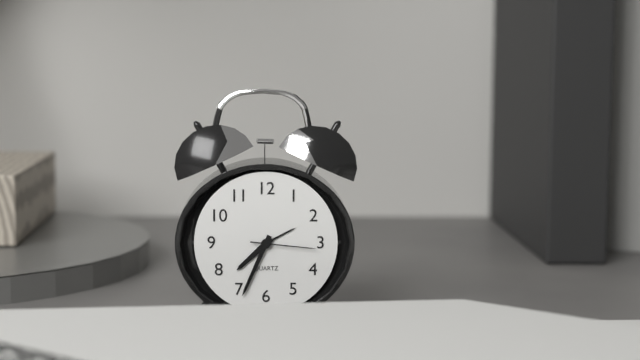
7:34:16
